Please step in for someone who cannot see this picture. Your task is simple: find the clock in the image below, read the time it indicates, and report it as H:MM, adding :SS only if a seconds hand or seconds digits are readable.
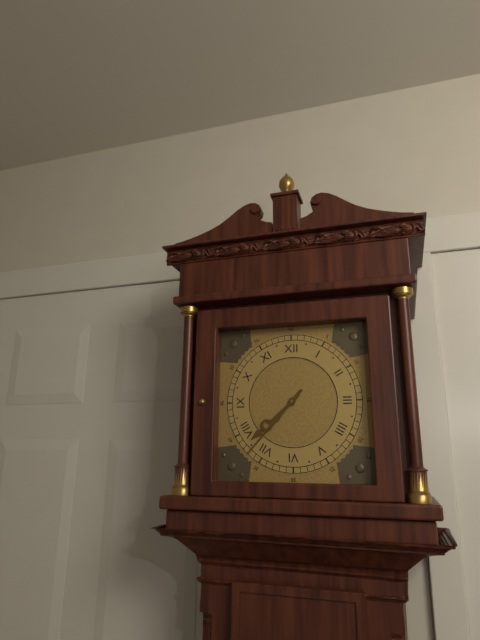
7:37
